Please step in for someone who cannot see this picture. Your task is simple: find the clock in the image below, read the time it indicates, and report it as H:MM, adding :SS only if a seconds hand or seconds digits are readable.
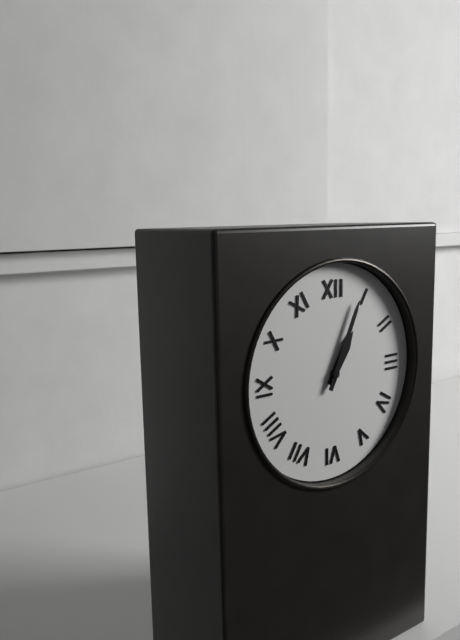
1:04
